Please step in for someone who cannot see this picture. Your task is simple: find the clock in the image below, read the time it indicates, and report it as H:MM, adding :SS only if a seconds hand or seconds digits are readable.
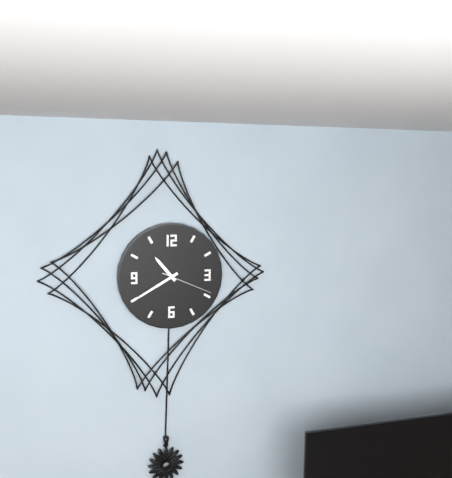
10:40:19
